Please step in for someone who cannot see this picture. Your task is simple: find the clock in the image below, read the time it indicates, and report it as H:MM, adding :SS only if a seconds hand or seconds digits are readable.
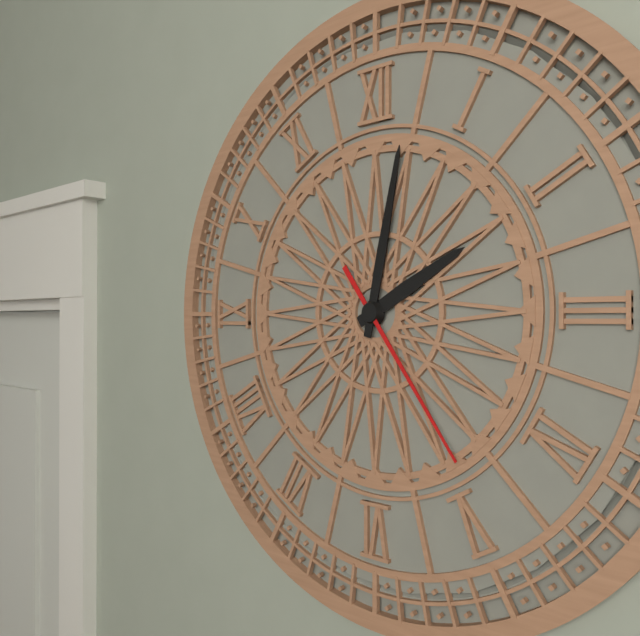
2:02:24
